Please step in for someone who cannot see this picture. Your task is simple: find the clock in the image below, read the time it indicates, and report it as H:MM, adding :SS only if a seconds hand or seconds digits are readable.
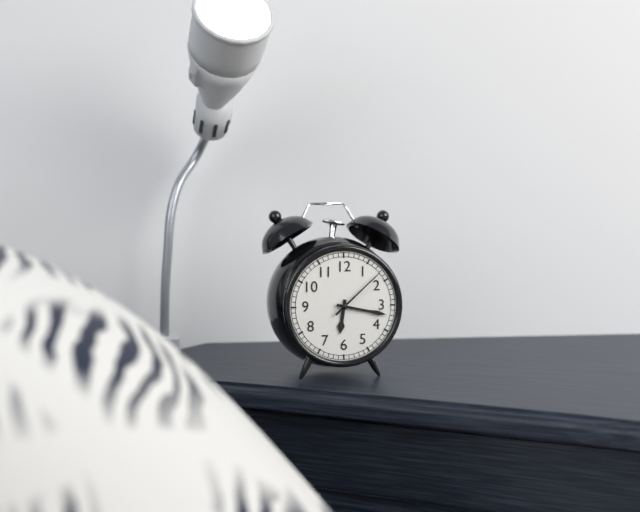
6:17:08
